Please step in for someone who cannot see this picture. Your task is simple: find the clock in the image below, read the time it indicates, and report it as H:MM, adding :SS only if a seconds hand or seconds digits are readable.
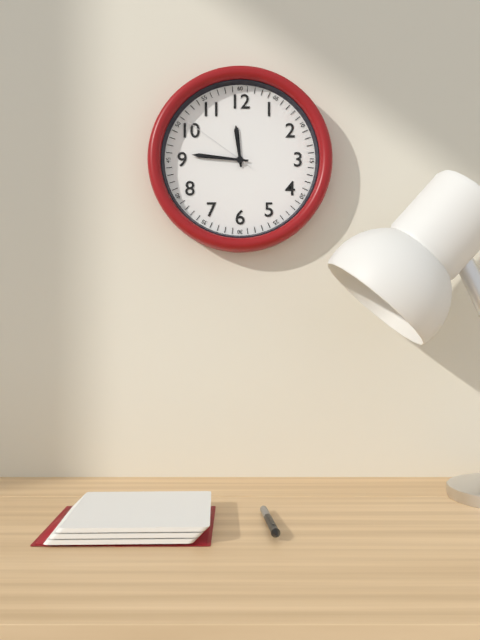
11:46:51
